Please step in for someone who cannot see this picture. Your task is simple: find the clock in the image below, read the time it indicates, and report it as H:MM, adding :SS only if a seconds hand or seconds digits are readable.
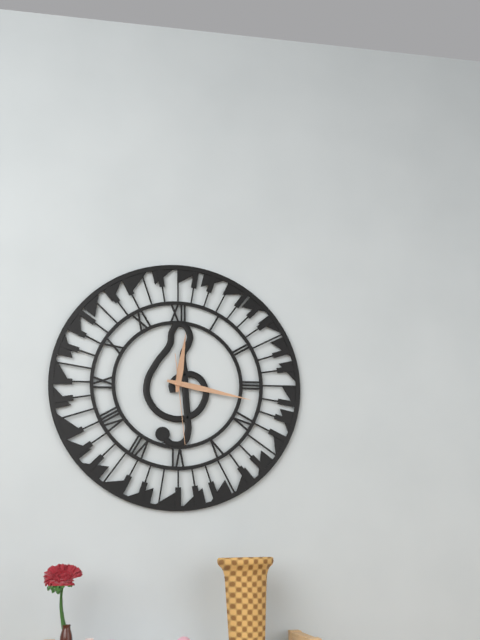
12:17:29
